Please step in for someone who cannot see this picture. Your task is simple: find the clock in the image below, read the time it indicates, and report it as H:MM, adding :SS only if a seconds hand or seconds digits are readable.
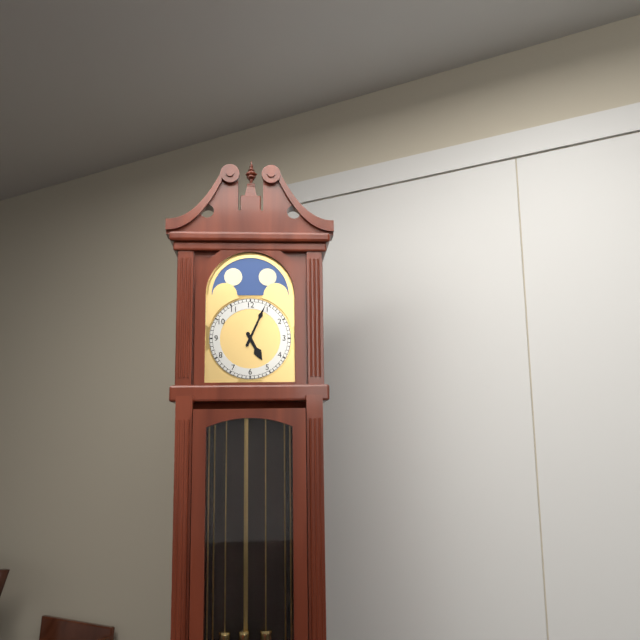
5:04
